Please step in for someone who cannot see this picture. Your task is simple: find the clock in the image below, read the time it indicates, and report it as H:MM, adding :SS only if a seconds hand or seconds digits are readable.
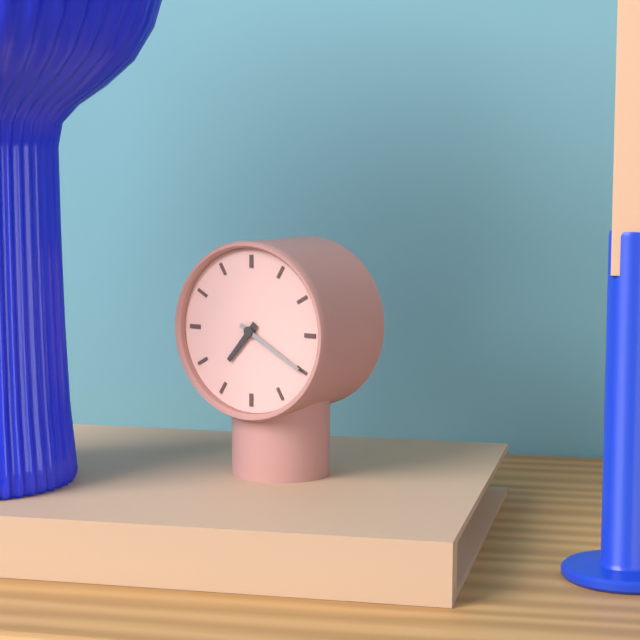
7:20
